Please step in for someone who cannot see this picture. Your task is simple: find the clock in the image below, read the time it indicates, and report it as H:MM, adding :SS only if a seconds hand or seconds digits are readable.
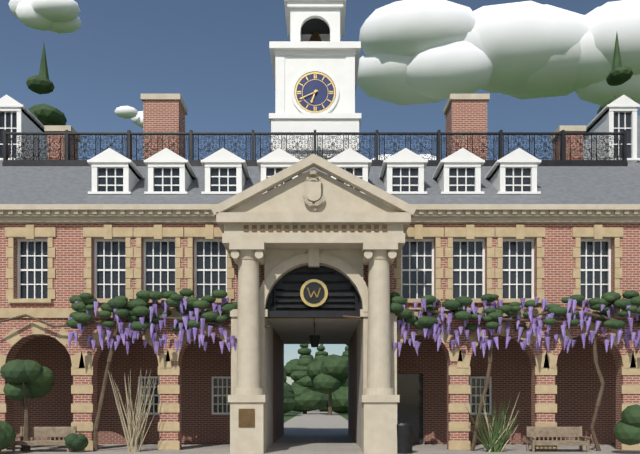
6:41
